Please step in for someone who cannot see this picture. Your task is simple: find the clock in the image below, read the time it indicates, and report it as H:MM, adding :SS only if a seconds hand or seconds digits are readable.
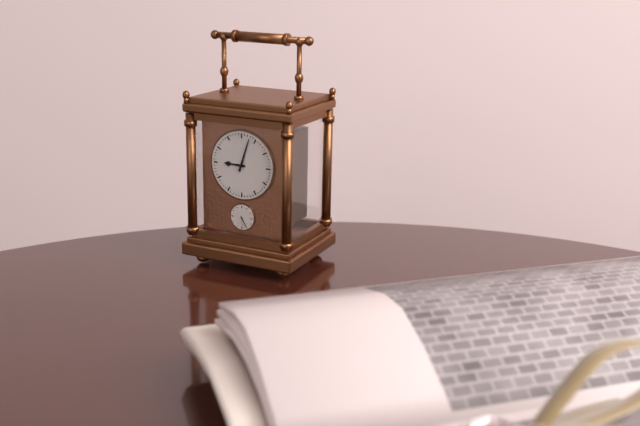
9:03
